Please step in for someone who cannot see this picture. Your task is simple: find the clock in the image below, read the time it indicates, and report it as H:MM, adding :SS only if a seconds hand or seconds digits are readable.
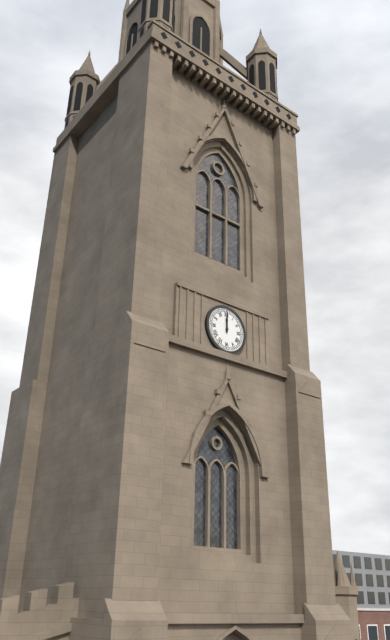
12:00
